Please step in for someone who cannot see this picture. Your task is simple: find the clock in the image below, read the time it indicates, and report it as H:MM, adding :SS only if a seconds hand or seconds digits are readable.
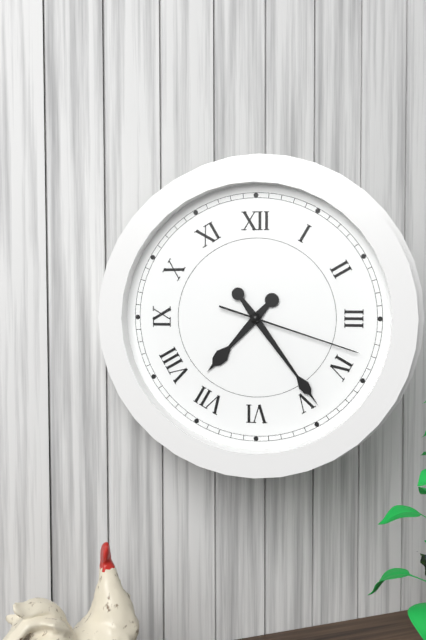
7:24:18
